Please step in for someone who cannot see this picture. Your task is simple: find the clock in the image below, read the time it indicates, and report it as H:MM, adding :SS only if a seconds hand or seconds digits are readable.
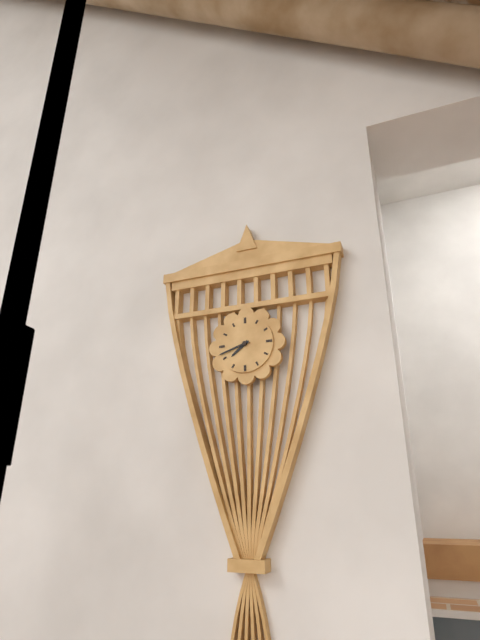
7:42
